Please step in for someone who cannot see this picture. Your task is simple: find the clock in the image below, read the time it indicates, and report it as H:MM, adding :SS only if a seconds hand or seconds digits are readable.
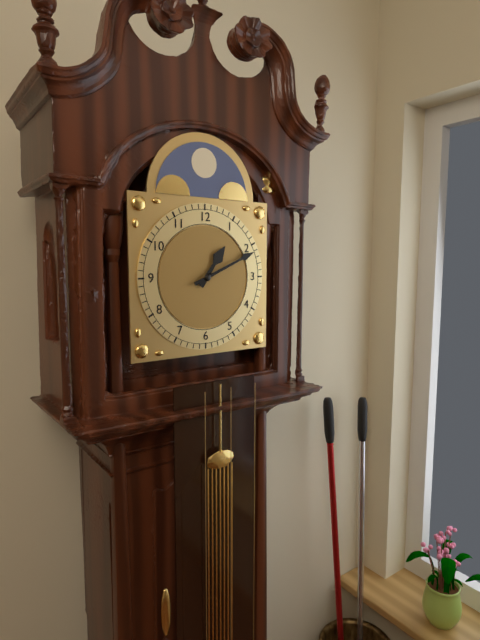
1:11
